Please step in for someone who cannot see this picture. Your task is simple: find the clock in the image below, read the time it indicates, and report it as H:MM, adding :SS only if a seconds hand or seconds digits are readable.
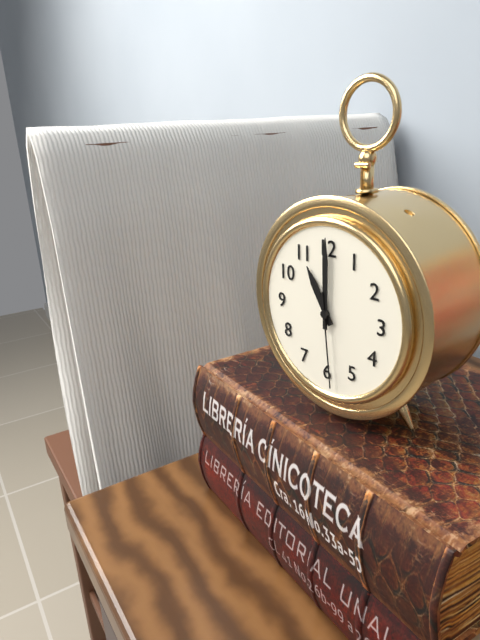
11:00:29
